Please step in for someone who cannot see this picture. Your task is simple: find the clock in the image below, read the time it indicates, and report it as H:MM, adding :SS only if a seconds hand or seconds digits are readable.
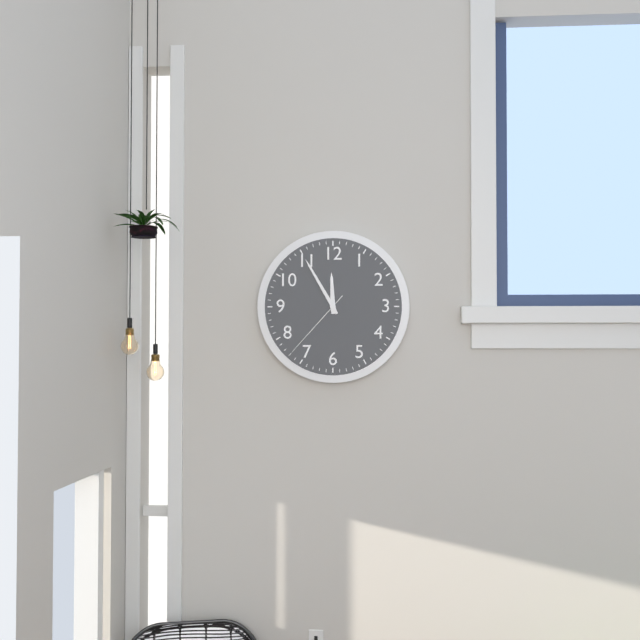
11:55:37
